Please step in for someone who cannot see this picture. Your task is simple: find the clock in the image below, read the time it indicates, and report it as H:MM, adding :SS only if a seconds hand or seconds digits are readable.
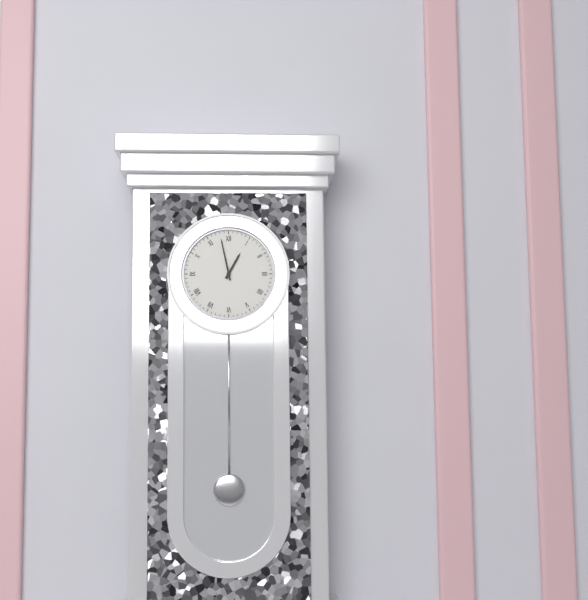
12:58
